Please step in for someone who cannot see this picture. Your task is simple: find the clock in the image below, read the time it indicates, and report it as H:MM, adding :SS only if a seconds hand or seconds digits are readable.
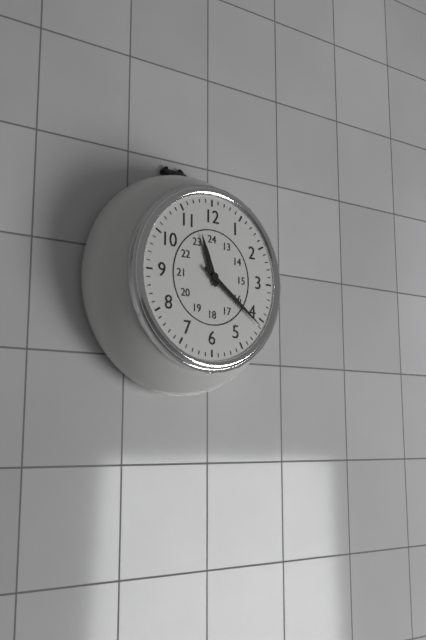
11:21
